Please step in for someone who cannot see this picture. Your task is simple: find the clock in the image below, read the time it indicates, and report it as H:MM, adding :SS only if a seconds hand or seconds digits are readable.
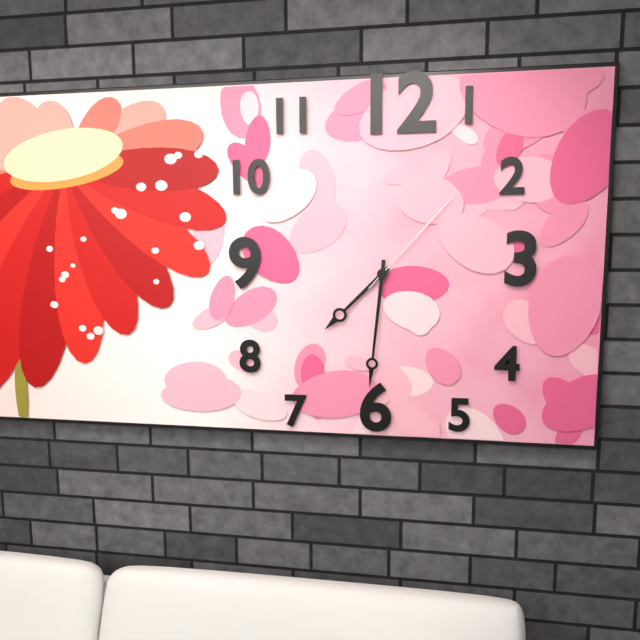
7:31:07
